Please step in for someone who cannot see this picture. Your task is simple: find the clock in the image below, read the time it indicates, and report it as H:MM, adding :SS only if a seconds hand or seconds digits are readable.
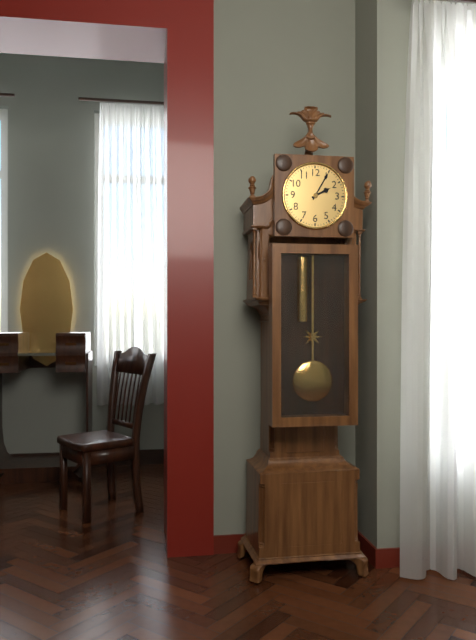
2:05
